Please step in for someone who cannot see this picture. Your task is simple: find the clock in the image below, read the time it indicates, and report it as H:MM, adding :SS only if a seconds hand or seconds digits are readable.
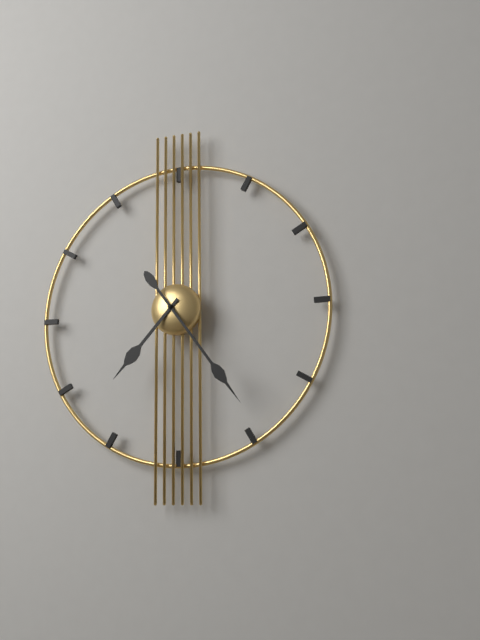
7:24
